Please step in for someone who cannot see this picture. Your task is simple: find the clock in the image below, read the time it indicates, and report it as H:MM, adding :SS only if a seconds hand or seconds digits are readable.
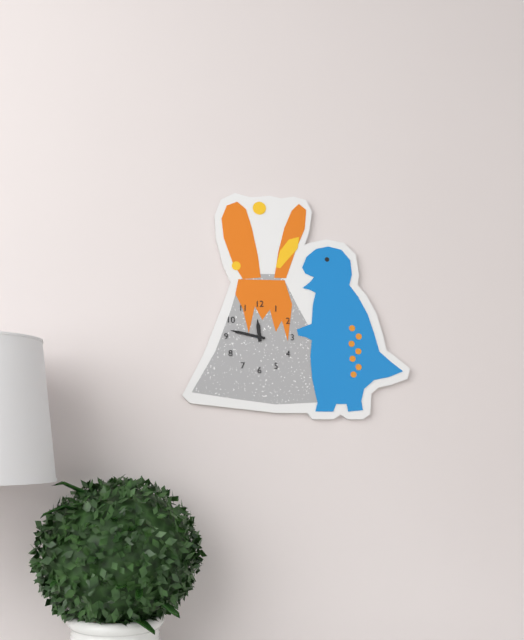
11:47
